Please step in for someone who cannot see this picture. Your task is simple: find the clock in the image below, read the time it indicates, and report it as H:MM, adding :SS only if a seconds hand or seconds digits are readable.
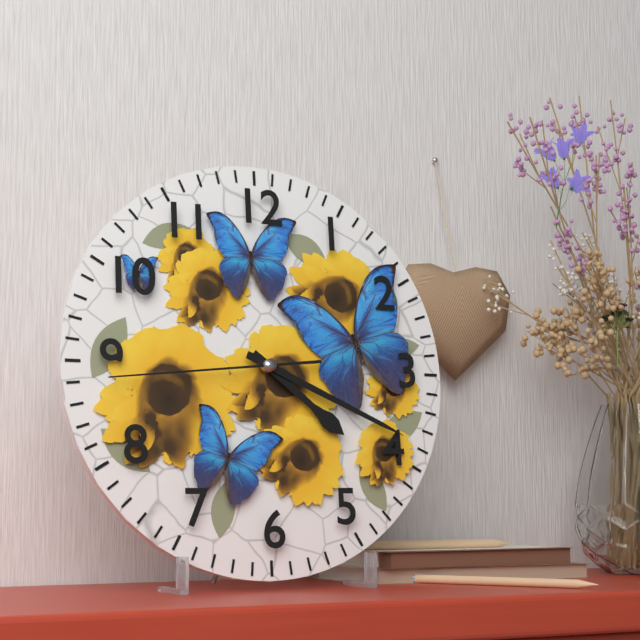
4:19:44
